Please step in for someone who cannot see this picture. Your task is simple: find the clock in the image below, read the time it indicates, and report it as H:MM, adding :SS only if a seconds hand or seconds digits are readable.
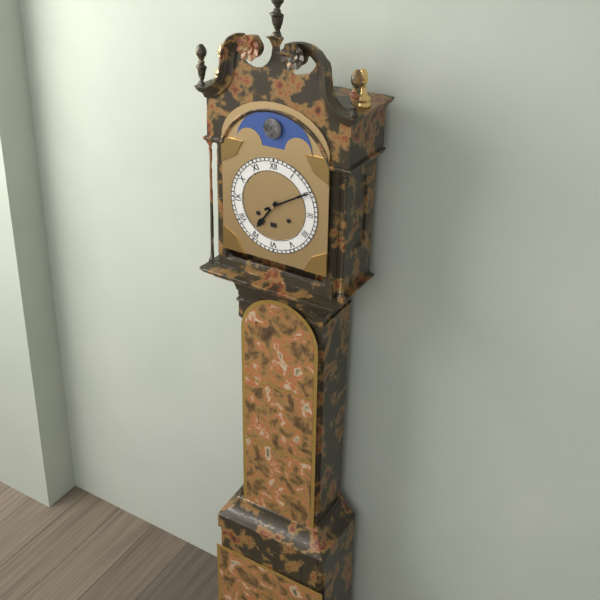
7:10
